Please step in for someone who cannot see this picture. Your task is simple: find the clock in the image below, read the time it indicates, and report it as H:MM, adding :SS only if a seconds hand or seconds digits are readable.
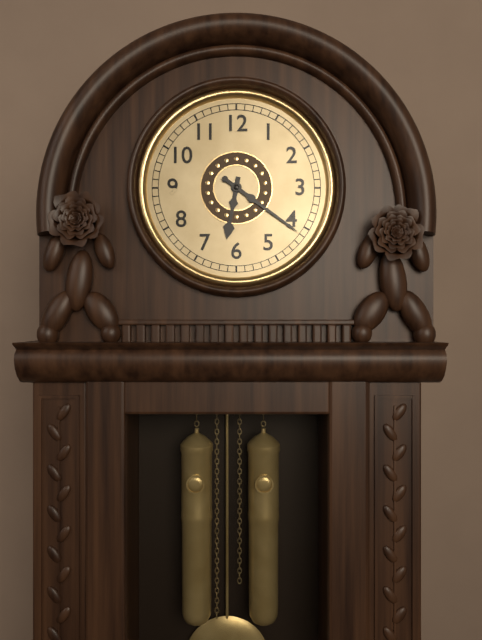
6:21
